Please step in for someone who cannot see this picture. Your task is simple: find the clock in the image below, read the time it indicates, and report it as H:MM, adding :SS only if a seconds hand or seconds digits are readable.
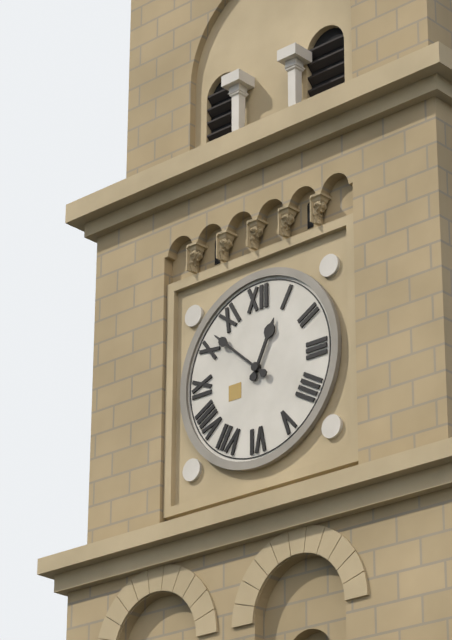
12:52
